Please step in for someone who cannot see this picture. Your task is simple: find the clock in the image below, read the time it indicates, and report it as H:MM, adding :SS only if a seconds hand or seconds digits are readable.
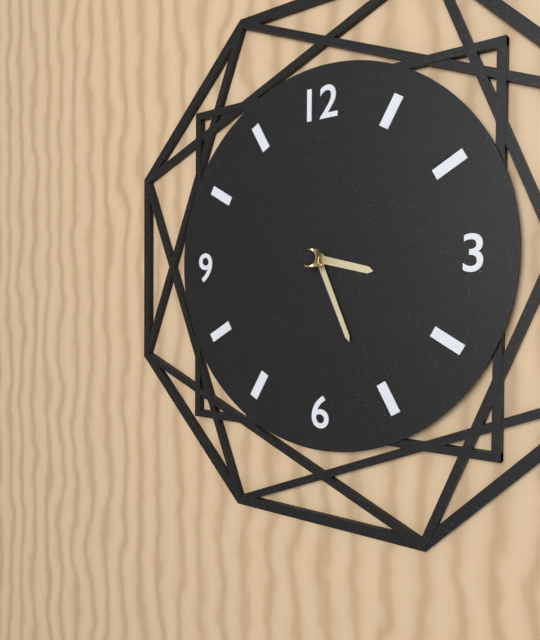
3:26
